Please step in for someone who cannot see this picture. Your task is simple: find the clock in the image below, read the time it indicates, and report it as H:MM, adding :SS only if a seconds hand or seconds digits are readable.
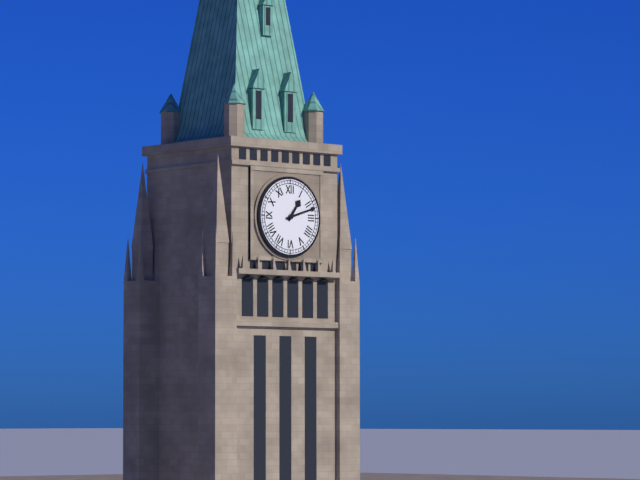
1:12
